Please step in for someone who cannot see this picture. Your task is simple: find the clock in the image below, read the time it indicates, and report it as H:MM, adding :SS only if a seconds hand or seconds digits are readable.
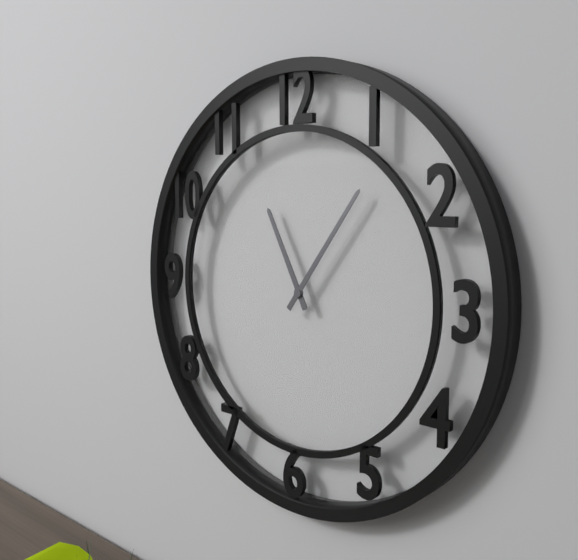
11:06
